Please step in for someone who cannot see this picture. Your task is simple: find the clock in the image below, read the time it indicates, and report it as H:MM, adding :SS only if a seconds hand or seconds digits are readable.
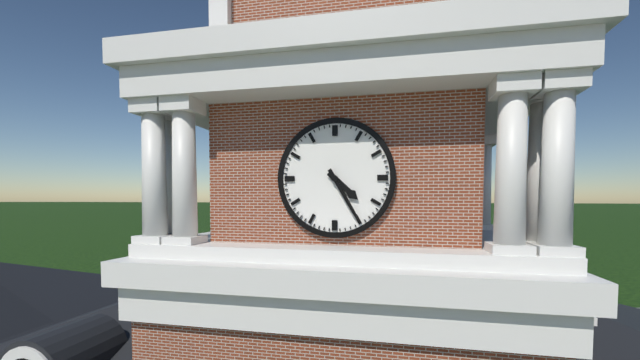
4:25
